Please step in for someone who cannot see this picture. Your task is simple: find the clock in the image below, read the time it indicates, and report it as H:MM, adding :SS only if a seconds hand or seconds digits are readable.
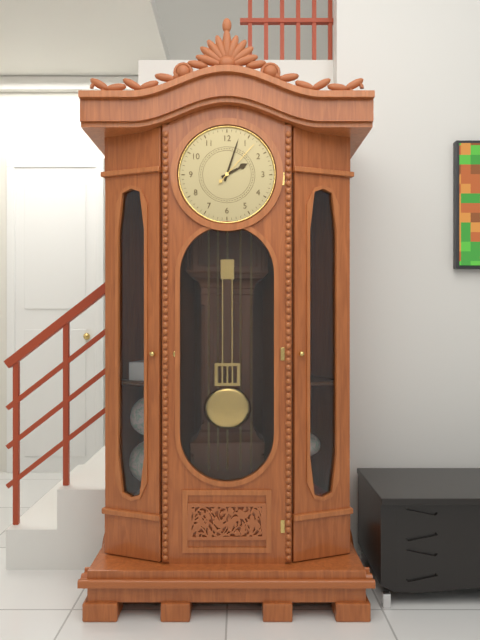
2:03:07
